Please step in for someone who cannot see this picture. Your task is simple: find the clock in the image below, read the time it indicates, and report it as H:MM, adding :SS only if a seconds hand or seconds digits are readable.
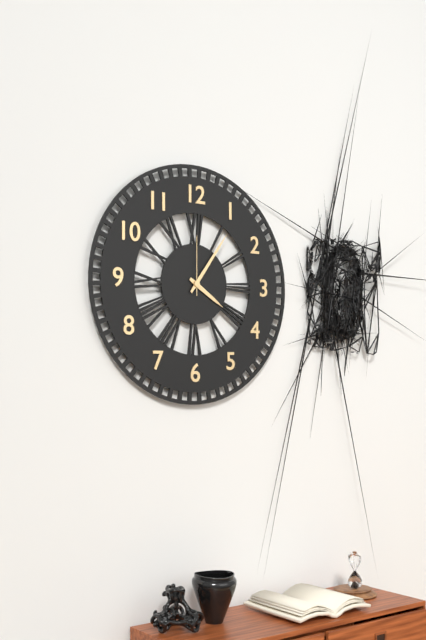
4:06:00
